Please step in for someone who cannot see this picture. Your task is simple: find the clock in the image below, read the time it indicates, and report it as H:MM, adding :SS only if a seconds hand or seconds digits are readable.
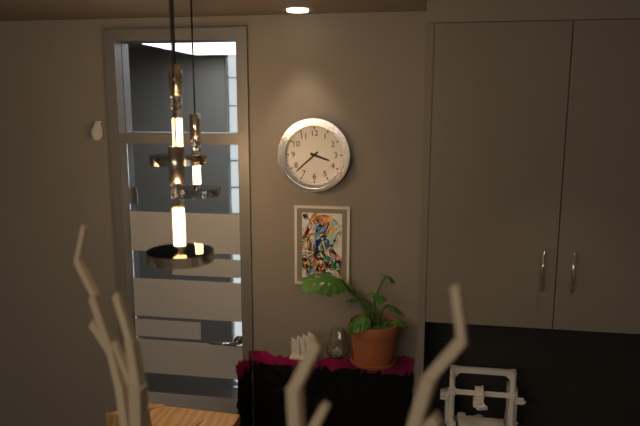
3:38
